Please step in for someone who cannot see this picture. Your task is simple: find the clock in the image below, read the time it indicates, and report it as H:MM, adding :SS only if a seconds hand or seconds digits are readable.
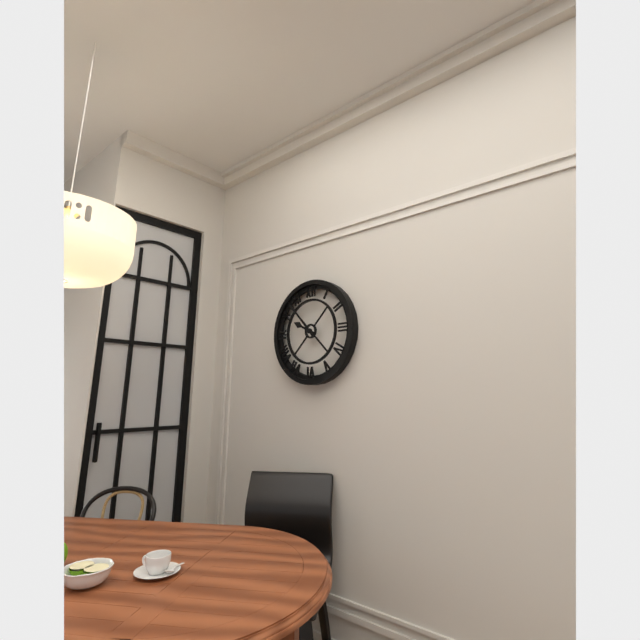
9:53
